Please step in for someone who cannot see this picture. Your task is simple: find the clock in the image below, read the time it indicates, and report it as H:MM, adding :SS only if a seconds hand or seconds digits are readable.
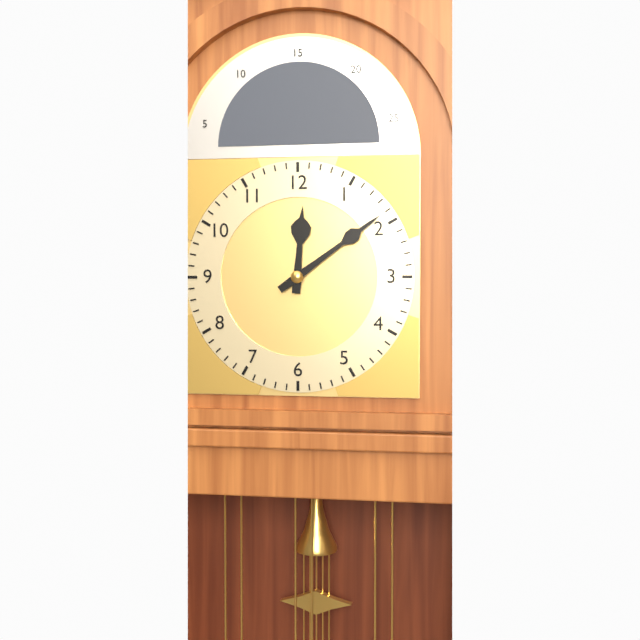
12:09
